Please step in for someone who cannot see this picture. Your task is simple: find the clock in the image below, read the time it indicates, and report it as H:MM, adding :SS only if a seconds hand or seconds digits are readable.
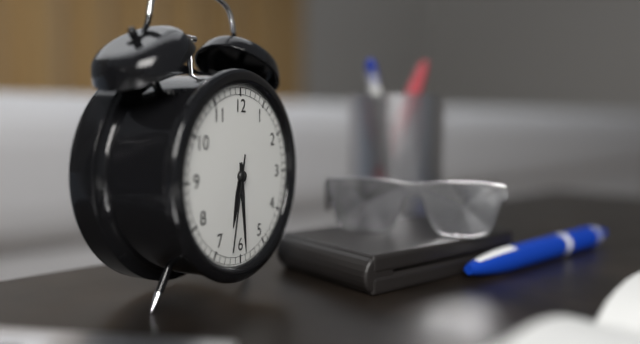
6:29:32
